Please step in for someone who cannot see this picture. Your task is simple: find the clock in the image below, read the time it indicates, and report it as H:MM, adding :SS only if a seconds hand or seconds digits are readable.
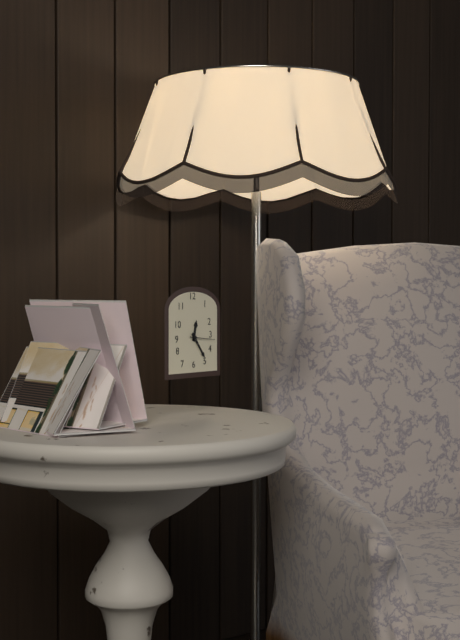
12:24
